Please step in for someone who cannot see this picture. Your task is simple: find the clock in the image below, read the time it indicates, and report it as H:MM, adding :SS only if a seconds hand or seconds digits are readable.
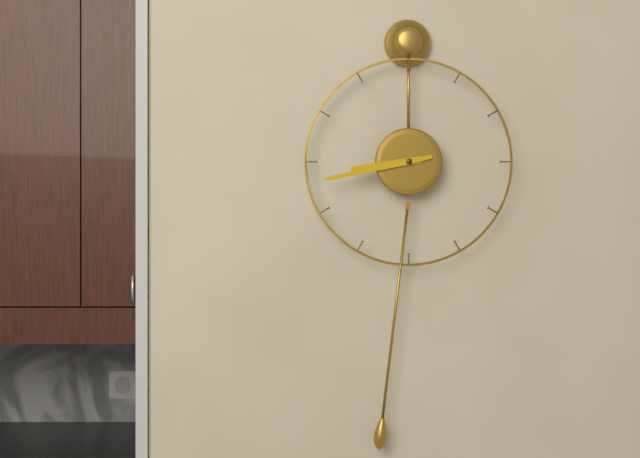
8:43
